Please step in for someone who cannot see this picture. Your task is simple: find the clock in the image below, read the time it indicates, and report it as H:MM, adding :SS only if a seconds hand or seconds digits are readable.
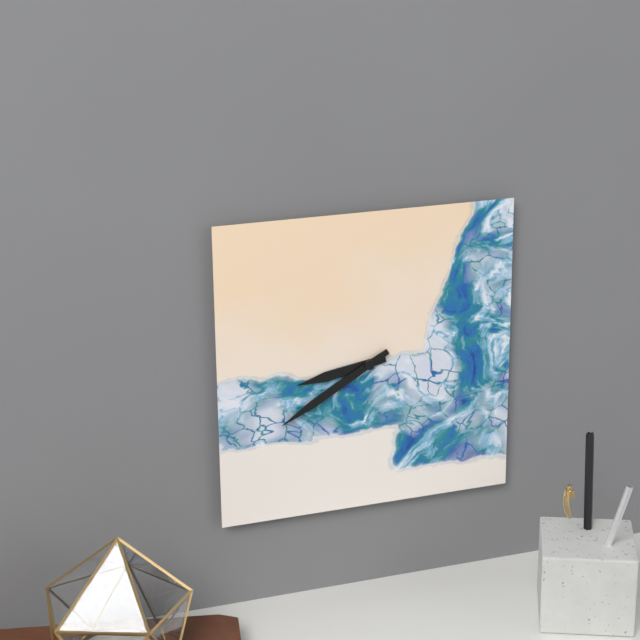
8:40
